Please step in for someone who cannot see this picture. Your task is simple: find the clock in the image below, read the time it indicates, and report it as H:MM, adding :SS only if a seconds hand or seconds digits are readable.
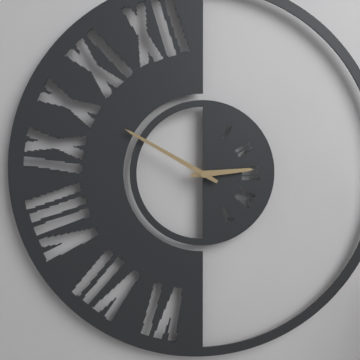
2:50
